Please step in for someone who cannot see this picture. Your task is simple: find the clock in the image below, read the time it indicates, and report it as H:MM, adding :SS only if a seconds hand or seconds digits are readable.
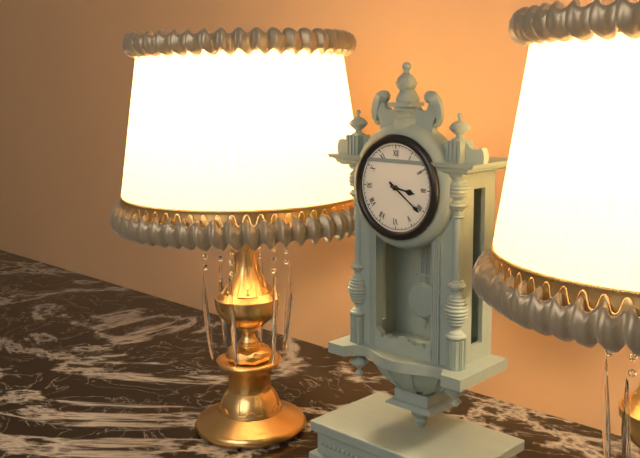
3:21
